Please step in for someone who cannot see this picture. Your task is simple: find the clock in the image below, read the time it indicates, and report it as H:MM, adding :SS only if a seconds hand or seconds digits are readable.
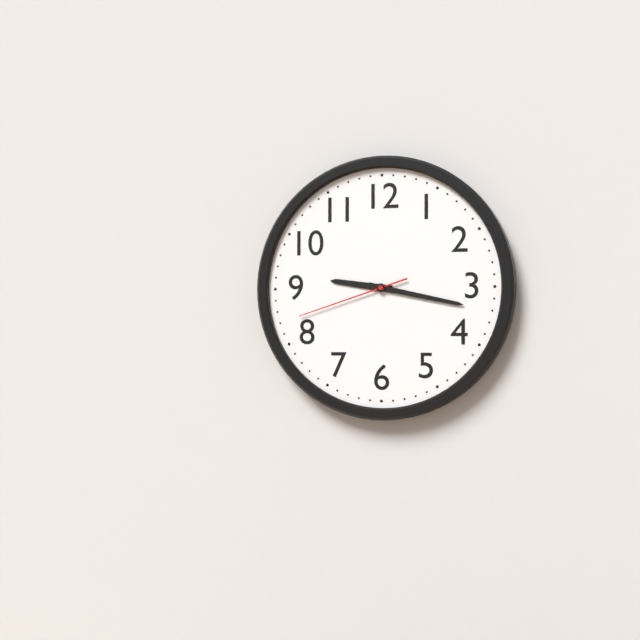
9:17:42
